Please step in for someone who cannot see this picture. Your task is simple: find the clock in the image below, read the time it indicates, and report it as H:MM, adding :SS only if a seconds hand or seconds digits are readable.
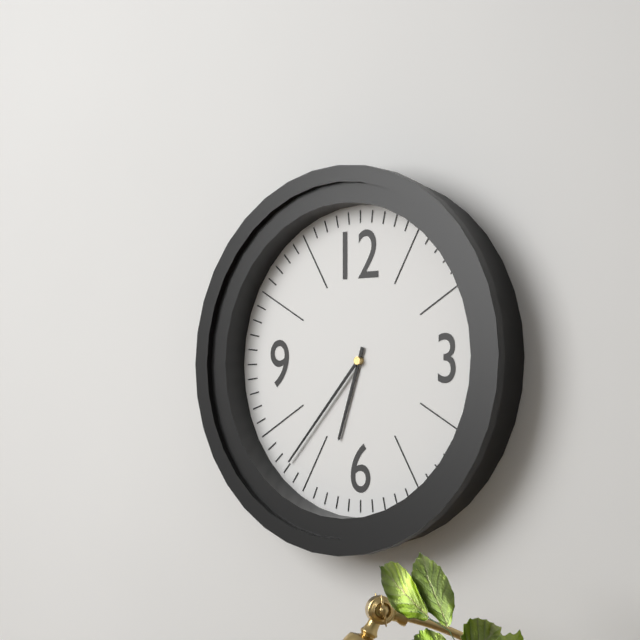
6:37
